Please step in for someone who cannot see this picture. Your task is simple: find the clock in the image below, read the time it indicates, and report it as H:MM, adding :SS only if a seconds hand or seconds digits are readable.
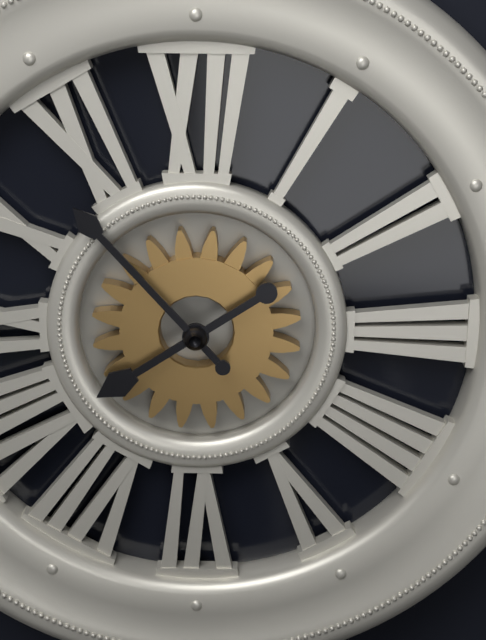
7:53
